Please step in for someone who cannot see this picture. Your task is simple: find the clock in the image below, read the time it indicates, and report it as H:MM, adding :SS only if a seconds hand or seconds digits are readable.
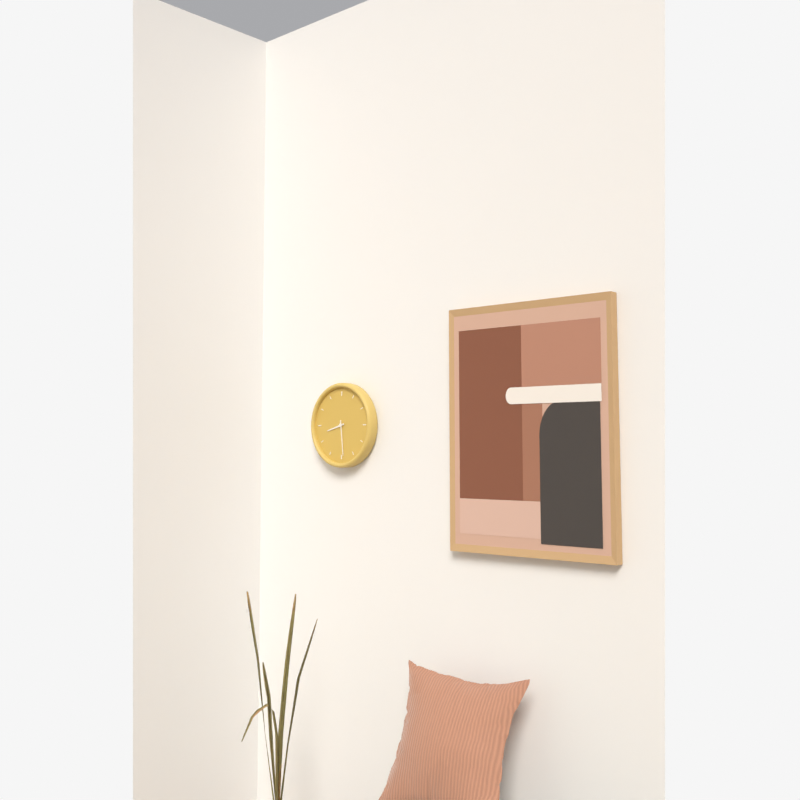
8:29
